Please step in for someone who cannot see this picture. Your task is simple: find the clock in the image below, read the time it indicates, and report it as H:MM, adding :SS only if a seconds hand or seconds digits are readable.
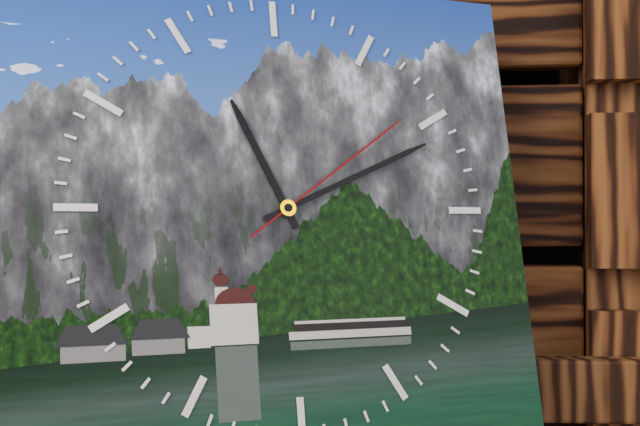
11:11:09
